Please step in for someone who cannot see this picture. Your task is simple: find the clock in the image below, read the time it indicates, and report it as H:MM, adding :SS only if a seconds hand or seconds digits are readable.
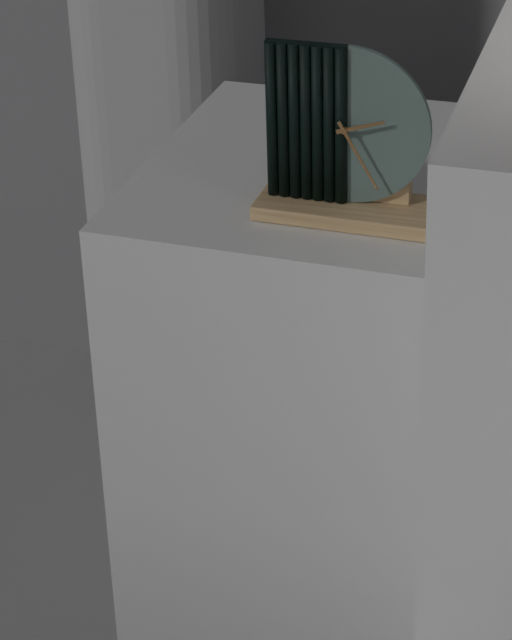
2:25
